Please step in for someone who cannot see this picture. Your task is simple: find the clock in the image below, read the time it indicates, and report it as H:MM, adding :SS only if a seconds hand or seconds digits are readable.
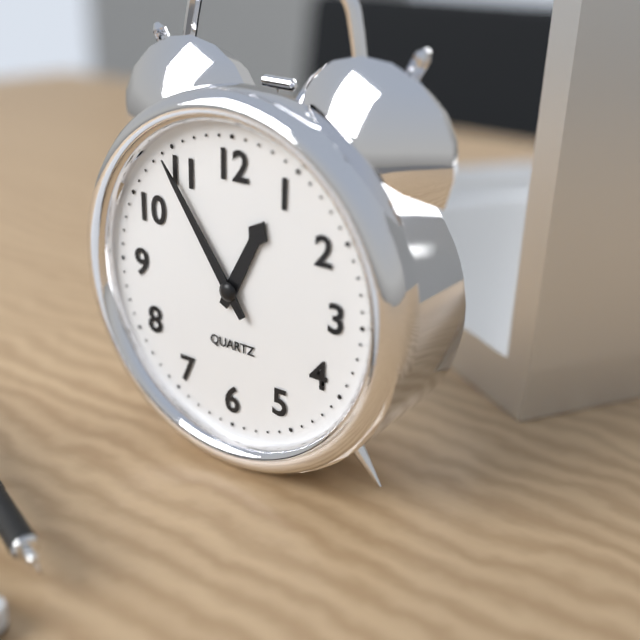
12:54
